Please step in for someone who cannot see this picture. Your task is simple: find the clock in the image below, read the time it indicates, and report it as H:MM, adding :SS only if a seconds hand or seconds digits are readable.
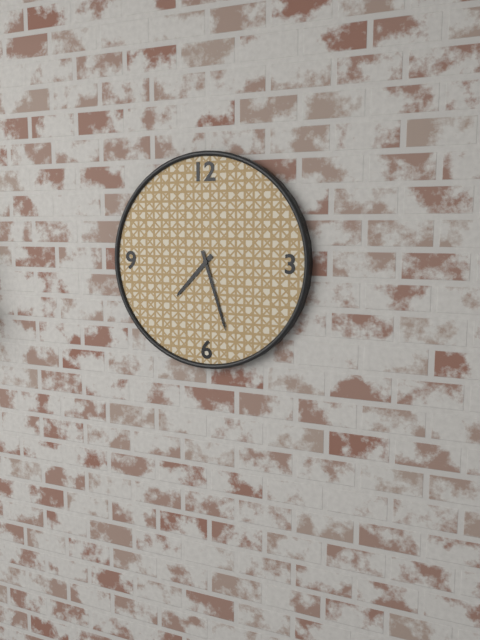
7:27
